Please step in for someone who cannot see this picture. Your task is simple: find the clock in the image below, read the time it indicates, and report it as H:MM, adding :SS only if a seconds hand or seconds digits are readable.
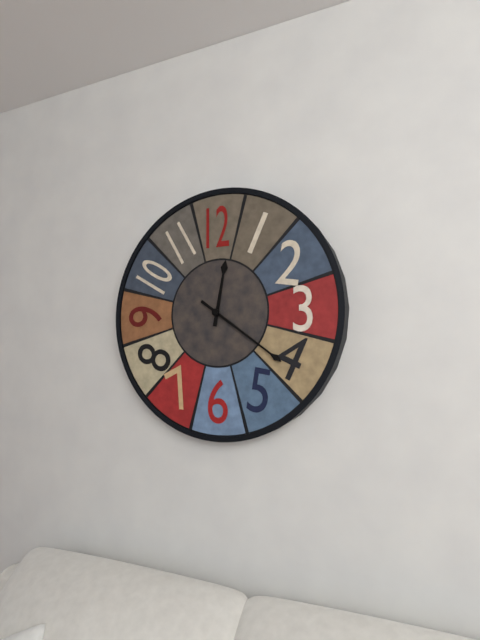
12:21
